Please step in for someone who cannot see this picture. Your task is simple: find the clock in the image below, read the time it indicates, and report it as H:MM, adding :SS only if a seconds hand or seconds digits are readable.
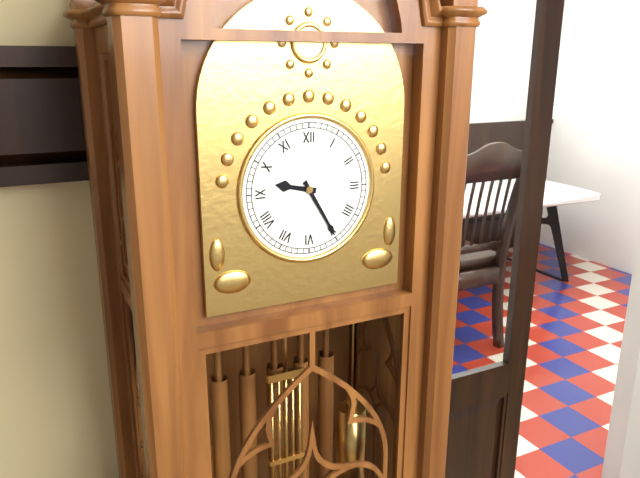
9:25
